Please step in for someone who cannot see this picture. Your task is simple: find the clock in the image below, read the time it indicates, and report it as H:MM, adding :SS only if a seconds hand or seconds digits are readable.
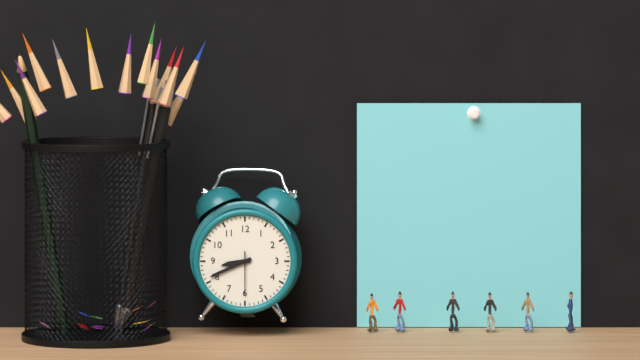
8:41
